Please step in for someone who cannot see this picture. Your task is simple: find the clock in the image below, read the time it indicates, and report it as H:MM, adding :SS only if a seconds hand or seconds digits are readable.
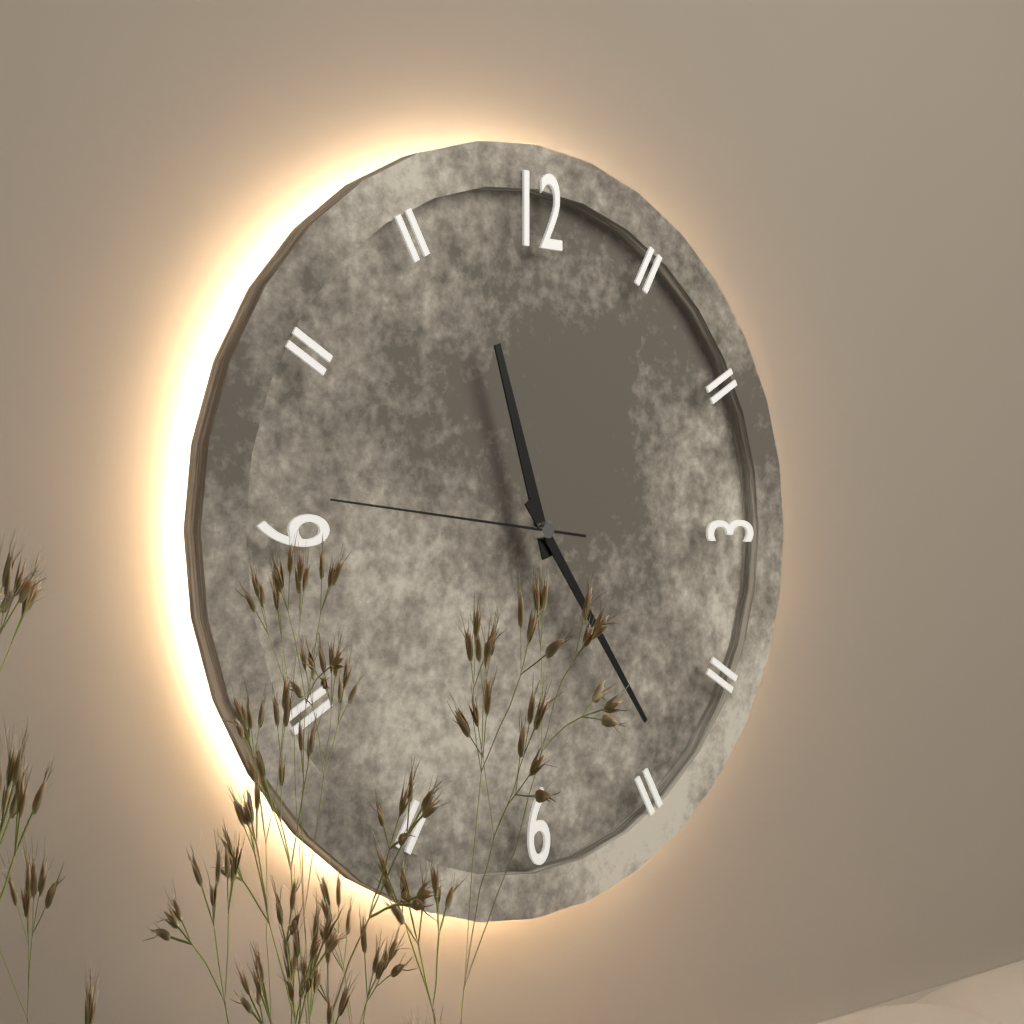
11:24:46
